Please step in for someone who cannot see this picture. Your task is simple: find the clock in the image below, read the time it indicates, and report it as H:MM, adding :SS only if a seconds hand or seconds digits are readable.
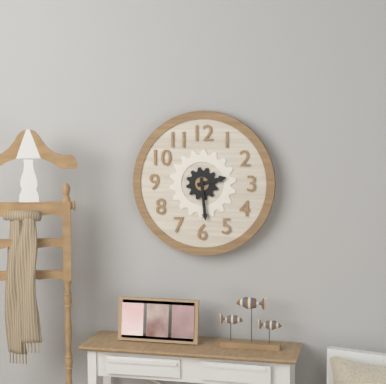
2:29
